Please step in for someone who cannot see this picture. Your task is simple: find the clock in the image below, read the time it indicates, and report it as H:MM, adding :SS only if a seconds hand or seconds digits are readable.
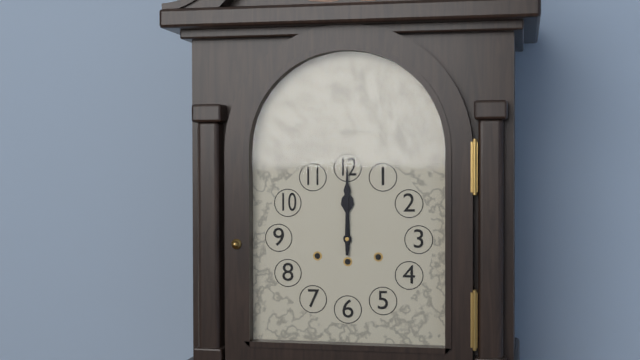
12:00
